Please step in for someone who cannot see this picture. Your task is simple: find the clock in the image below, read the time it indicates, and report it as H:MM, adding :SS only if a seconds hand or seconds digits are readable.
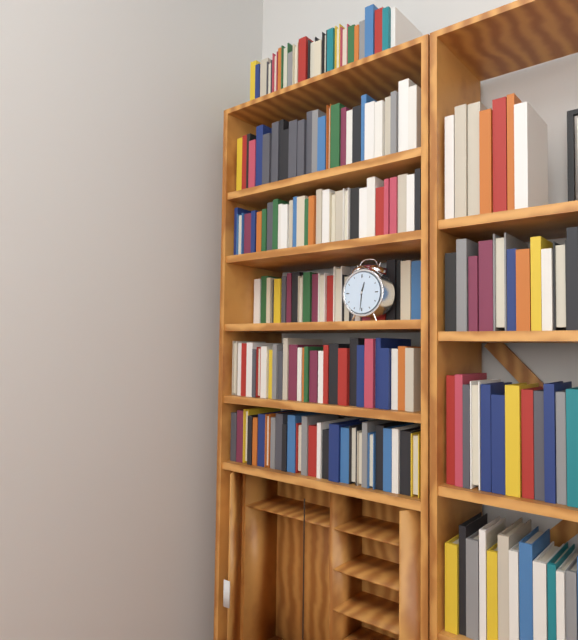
12:31
